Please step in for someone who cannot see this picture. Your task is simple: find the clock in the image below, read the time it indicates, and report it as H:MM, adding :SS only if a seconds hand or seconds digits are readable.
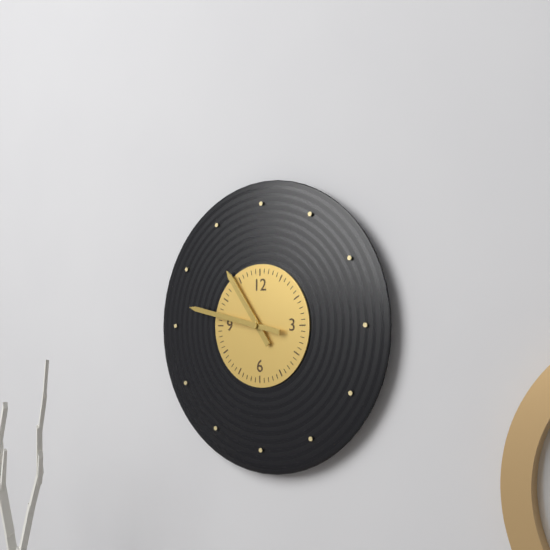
10:47
